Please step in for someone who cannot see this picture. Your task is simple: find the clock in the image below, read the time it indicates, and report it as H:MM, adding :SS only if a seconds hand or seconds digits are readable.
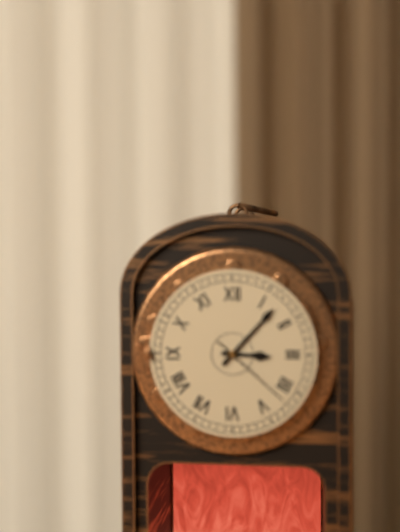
3:07:22
